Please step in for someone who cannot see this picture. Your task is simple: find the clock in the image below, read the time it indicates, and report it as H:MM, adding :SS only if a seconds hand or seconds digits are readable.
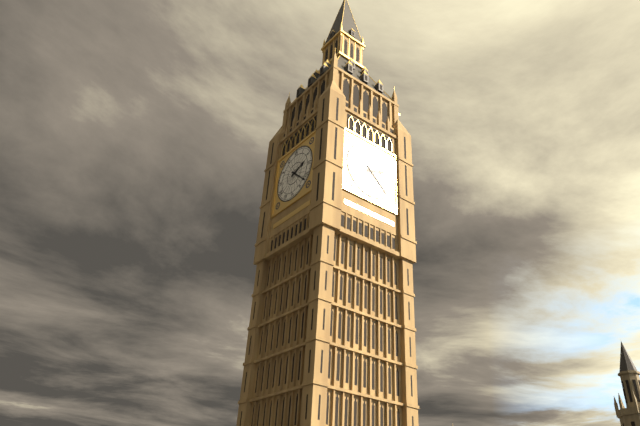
2:22
